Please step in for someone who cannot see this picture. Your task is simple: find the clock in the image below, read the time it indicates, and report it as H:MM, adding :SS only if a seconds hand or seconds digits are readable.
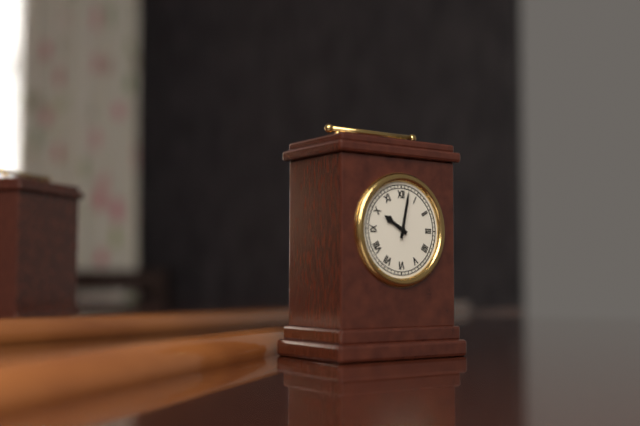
10:02
